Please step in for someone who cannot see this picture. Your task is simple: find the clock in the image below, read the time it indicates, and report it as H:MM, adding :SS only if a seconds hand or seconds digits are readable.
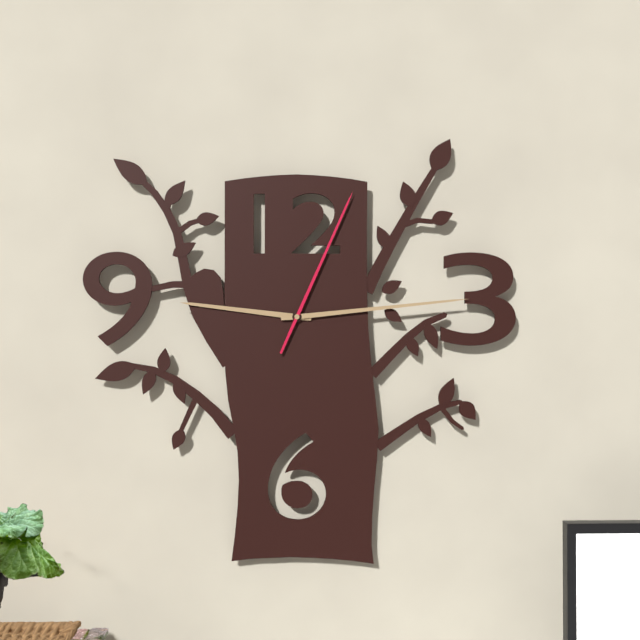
9:14:04
